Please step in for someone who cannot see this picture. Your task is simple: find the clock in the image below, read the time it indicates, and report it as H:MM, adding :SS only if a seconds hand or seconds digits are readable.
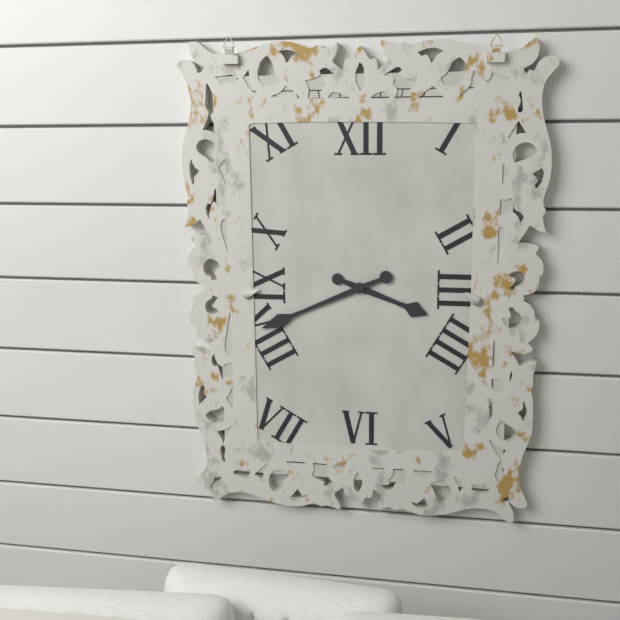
3:41
